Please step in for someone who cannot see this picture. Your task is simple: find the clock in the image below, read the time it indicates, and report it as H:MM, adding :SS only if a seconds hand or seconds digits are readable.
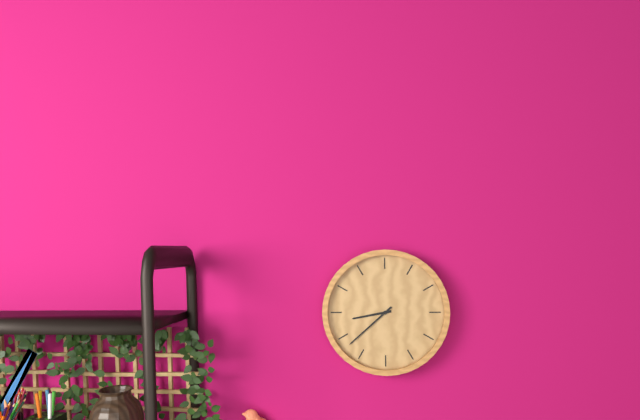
8:38
